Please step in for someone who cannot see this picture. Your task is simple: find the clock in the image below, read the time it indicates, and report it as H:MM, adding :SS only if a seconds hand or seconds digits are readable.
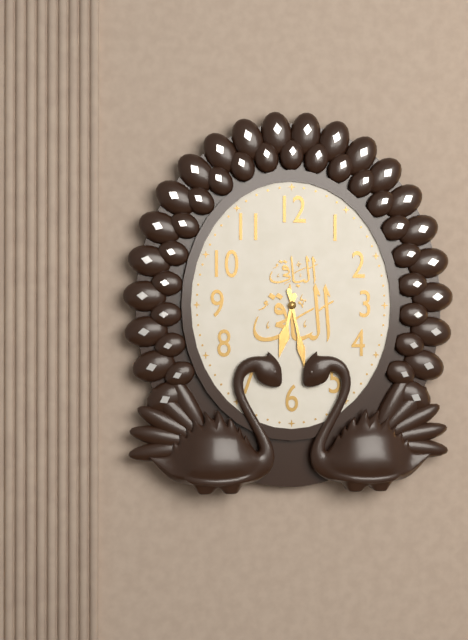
6:28
